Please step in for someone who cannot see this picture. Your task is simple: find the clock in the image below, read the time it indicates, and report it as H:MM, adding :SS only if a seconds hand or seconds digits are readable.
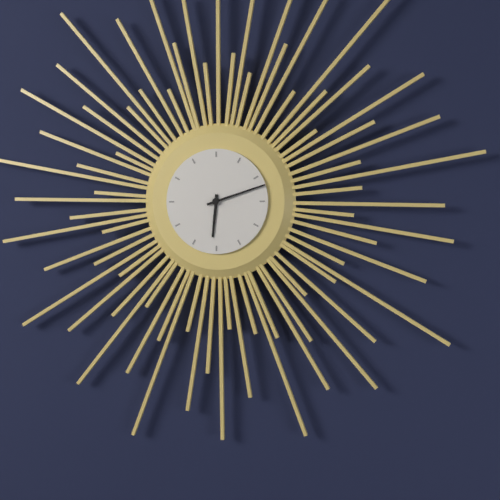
6:12
